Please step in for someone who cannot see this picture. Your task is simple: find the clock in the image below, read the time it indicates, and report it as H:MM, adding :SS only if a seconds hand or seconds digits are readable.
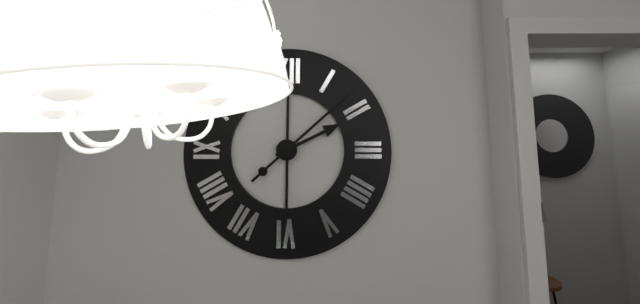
2:08
